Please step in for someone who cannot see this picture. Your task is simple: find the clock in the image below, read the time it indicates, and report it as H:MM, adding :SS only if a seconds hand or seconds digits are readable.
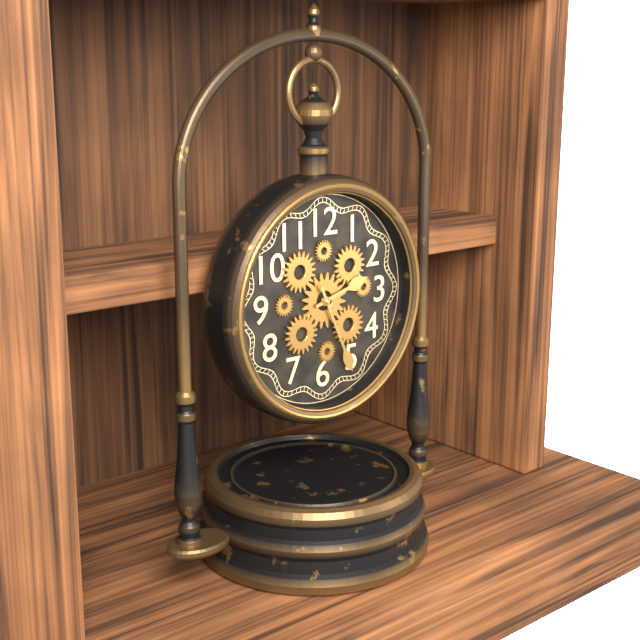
2:26
